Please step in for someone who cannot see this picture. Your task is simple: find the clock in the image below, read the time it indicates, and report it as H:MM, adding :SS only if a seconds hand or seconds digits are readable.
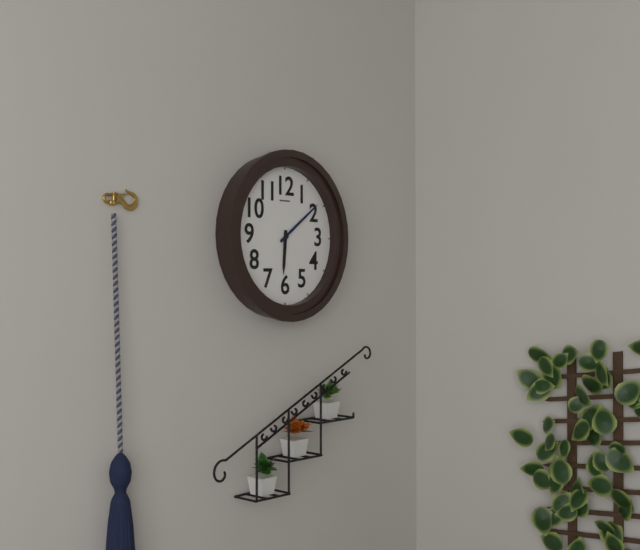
6:09
